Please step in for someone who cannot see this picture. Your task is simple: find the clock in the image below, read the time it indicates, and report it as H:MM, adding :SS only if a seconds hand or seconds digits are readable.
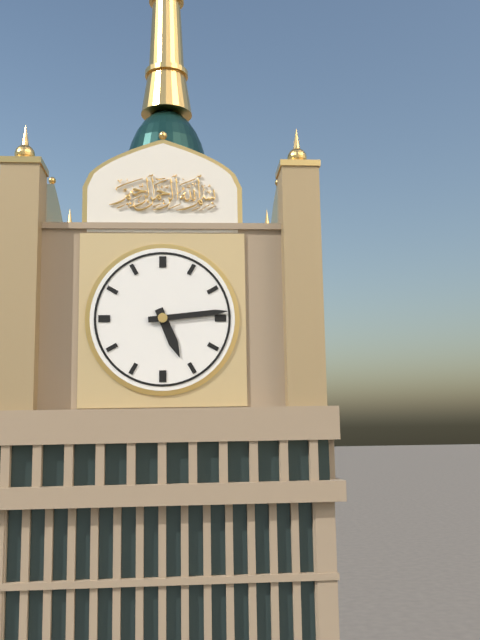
5:14
